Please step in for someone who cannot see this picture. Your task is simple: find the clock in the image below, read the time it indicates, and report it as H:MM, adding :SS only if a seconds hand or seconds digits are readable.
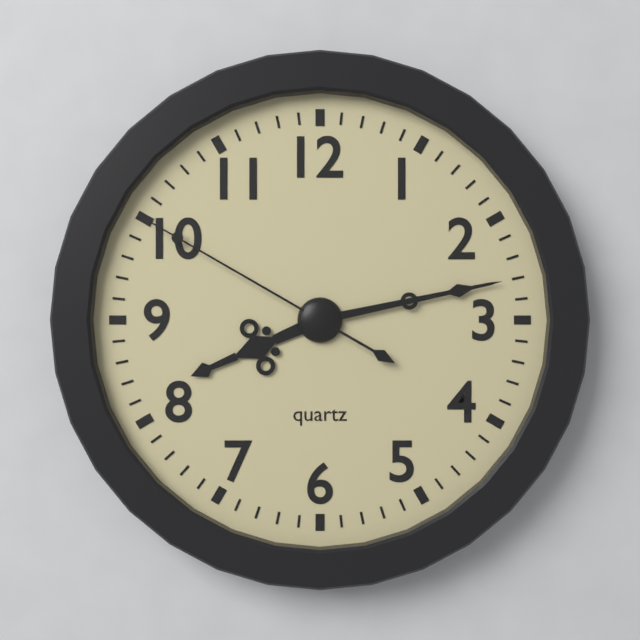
8:13:50
